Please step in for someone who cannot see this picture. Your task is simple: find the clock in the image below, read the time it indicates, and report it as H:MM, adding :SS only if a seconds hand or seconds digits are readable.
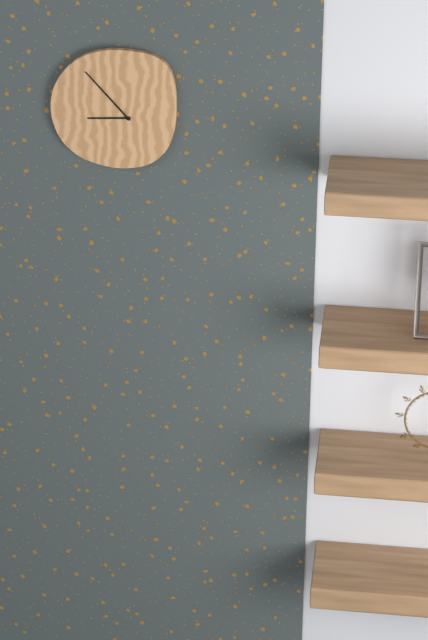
8:53
